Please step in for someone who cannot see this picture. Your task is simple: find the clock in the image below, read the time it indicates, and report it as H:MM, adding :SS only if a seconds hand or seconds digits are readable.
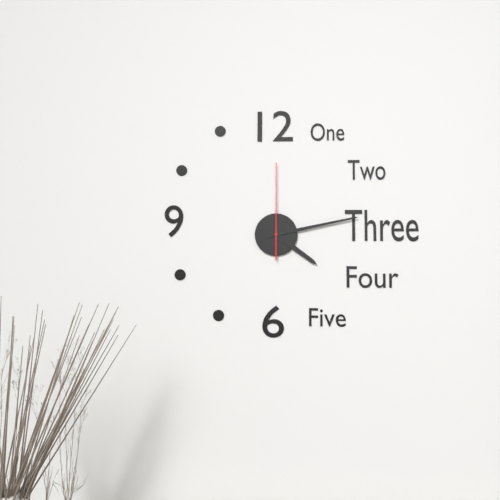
4:13:00
